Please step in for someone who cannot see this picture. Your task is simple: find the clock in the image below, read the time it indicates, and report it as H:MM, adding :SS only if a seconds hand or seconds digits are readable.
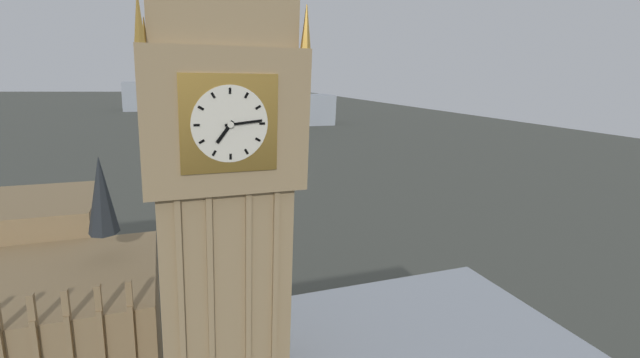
7:14
